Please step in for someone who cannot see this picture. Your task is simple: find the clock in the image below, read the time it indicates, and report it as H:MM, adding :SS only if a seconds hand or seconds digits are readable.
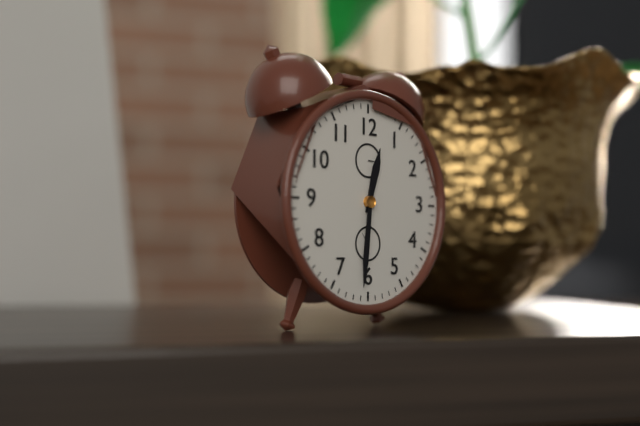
12:31
